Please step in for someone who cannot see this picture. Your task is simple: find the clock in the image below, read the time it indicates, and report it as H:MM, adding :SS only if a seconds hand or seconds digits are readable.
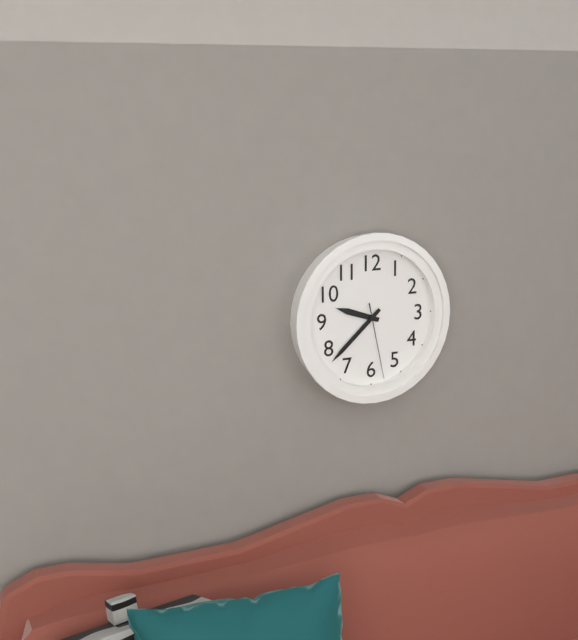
9:38:28
